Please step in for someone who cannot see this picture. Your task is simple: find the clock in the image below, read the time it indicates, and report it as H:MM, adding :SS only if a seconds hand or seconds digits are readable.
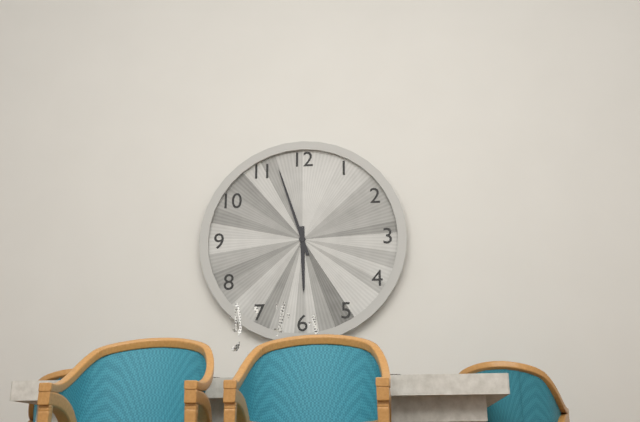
5:57
